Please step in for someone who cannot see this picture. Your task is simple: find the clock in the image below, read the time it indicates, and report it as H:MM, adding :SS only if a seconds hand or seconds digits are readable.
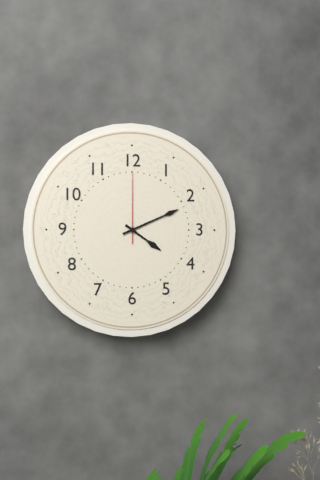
4:11:00
